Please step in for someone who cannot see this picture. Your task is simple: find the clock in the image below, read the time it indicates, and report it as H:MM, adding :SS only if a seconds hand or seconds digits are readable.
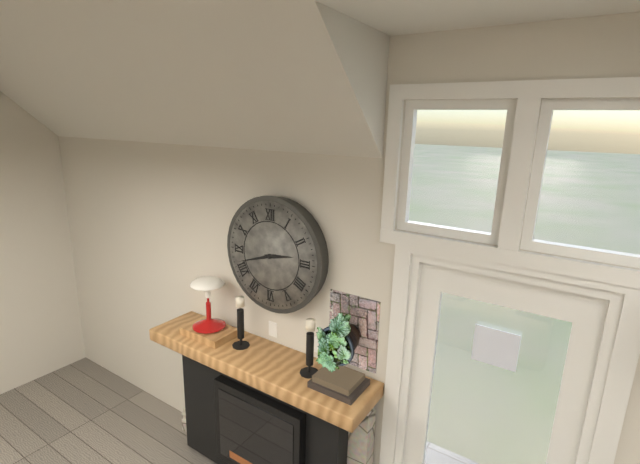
2:42
